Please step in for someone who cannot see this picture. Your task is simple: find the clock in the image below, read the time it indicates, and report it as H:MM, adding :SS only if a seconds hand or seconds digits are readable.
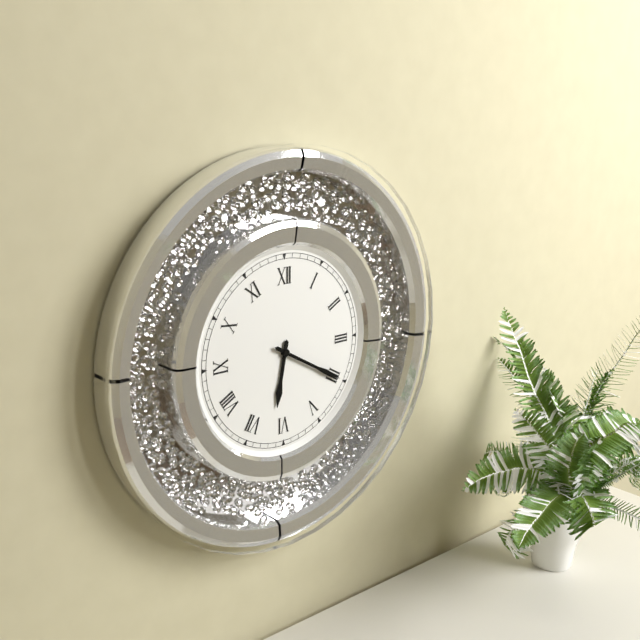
6:20
